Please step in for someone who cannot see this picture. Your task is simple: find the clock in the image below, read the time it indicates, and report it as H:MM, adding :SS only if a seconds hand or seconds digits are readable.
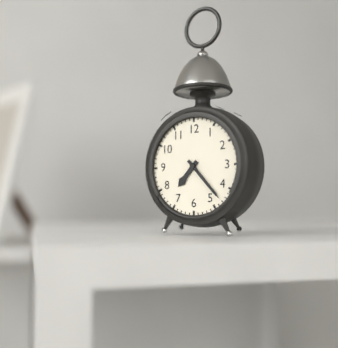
7:23
